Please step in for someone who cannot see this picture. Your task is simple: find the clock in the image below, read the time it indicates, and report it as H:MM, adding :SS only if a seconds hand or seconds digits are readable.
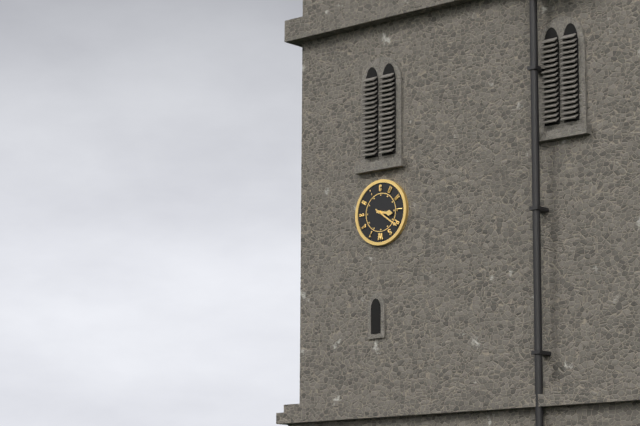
3:21
